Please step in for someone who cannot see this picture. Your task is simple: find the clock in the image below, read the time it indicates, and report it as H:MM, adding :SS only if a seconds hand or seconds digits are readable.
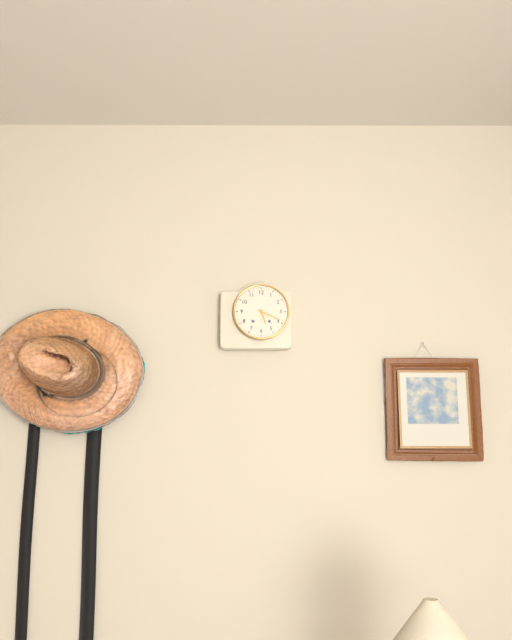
5:19
